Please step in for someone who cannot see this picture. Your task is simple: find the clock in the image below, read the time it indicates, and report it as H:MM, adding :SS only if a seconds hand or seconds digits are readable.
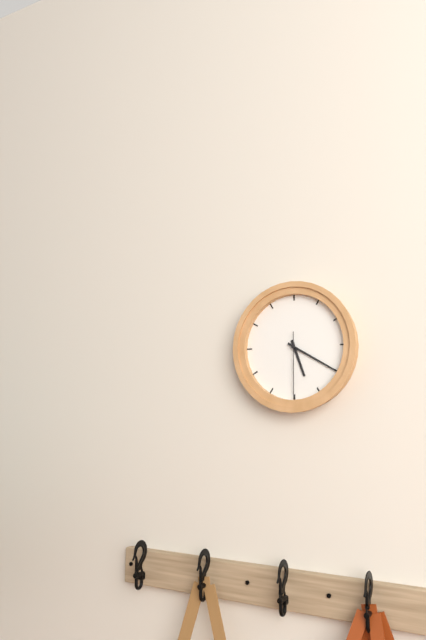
5:20:30
